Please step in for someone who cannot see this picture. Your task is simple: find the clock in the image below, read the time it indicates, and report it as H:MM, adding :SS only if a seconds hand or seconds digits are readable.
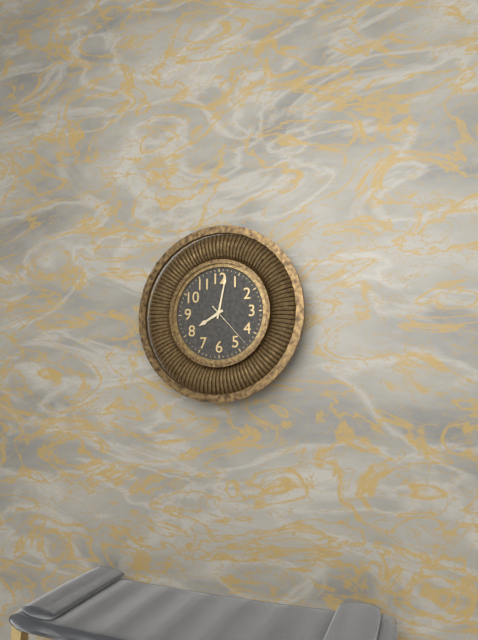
8:02
